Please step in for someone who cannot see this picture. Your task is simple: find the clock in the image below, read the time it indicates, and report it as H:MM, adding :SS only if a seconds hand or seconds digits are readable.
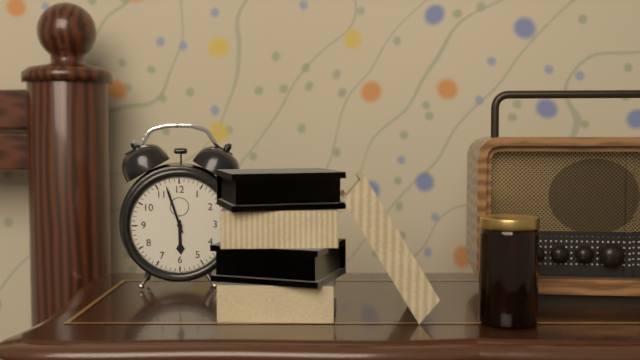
5:57
